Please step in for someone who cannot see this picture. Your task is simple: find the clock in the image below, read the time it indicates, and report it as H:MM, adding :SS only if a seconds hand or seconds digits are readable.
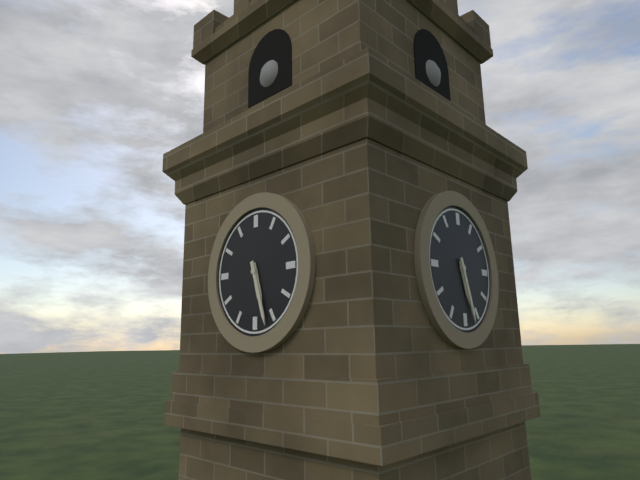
5:27
